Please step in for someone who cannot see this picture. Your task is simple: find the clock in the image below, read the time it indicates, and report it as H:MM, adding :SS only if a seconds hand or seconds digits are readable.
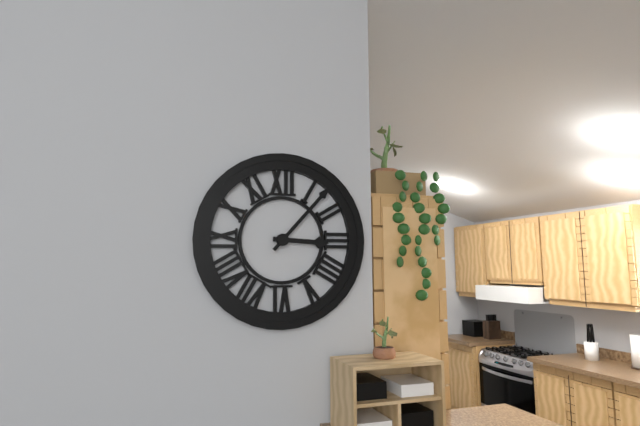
3:07
